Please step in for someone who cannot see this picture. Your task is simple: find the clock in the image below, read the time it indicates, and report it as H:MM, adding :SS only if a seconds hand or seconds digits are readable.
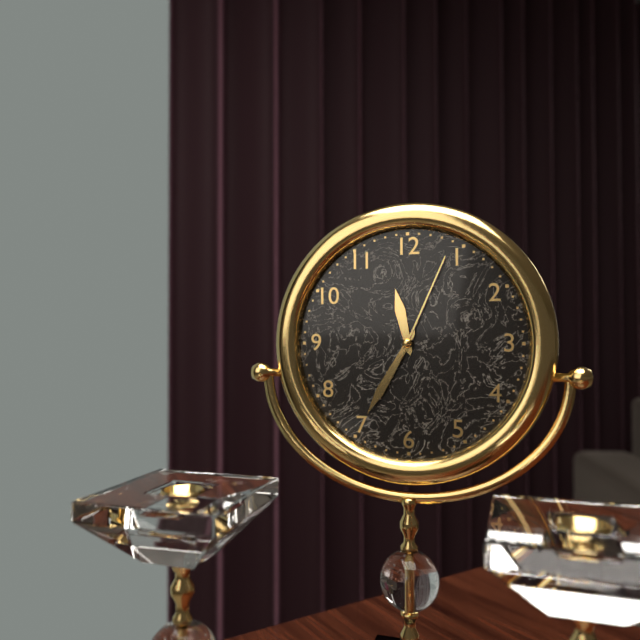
11:35:04
